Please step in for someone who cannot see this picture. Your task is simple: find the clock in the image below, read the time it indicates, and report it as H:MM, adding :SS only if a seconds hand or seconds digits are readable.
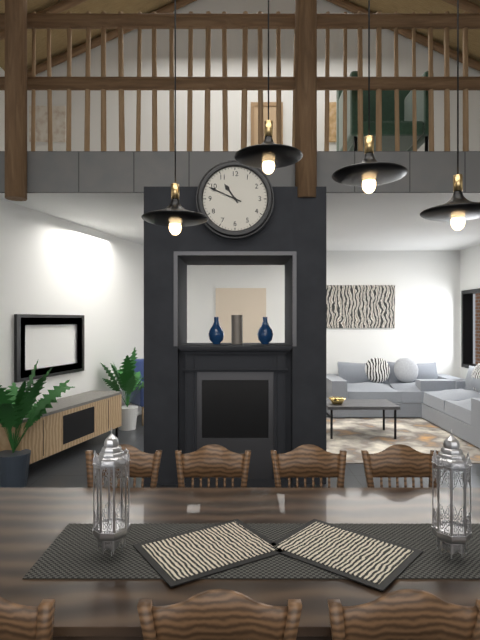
10:49
